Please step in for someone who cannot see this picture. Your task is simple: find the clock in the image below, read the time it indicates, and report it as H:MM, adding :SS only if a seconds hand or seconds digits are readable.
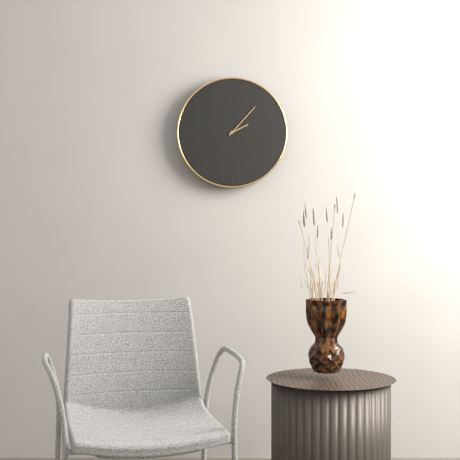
2:07
